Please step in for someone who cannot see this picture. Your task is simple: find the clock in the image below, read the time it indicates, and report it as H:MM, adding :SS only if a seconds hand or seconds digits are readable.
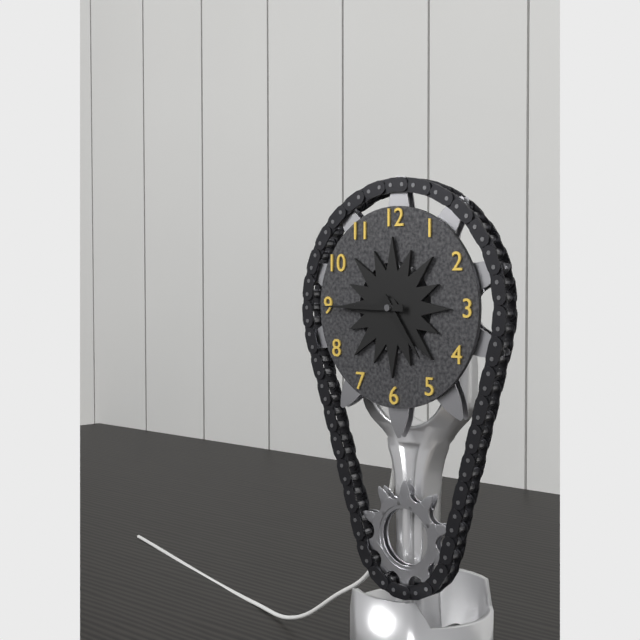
4:45
